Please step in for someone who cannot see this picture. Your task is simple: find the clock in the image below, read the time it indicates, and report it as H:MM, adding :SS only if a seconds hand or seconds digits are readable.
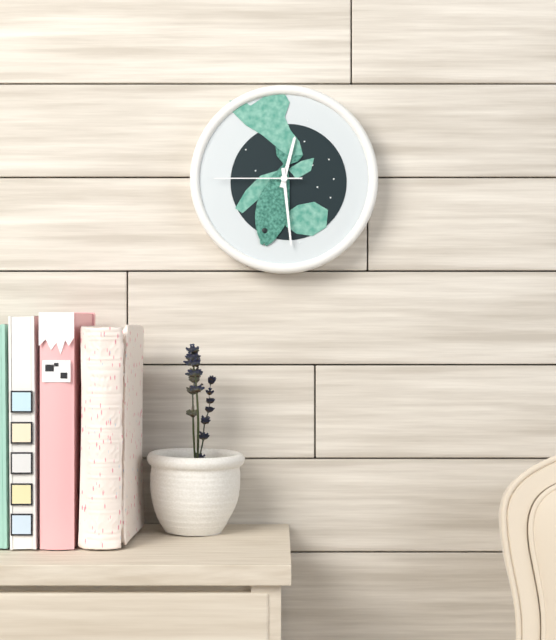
12:29:45
